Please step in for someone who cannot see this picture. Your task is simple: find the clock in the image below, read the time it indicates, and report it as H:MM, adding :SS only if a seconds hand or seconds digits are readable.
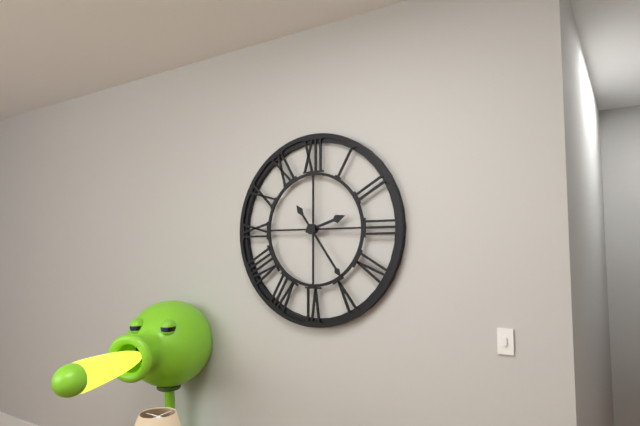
2:24
